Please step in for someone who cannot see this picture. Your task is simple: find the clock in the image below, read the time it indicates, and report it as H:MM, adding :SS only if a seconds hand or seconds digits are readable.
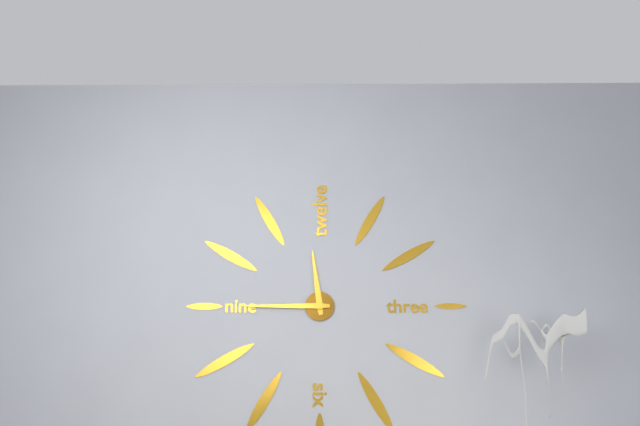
11:45
